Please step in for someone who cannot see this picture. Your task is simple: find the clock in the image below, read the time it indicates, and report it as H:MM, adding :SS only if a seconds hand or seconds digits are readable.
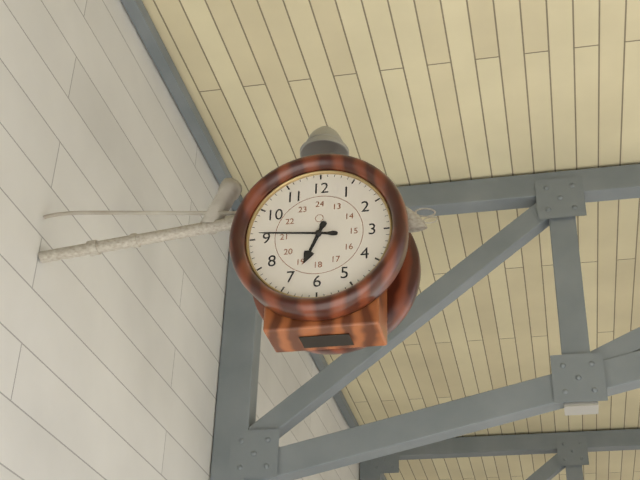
6:46
